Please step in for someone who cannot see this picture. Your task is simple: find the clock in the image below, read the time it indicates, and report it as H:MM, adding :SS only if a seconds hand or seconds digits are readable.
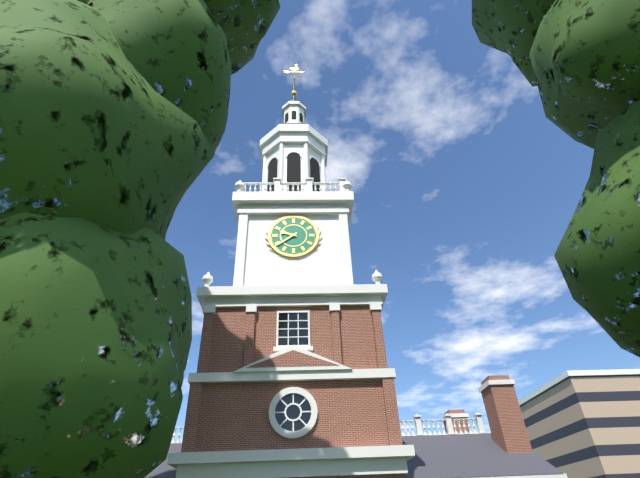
9:39
